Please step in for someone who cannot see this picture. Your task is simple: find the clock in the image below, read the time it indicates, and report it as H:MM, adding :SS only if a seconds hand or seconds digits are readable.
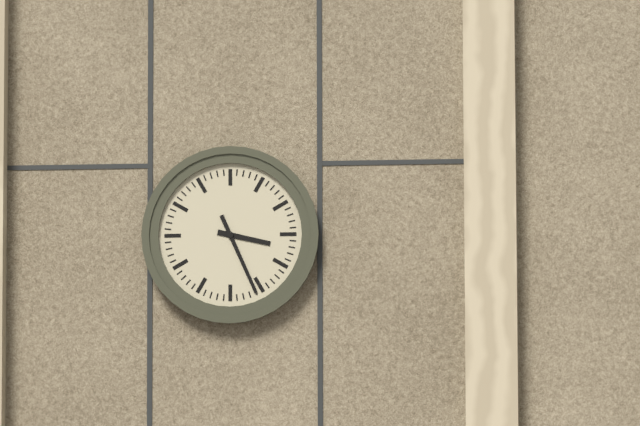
3:26
